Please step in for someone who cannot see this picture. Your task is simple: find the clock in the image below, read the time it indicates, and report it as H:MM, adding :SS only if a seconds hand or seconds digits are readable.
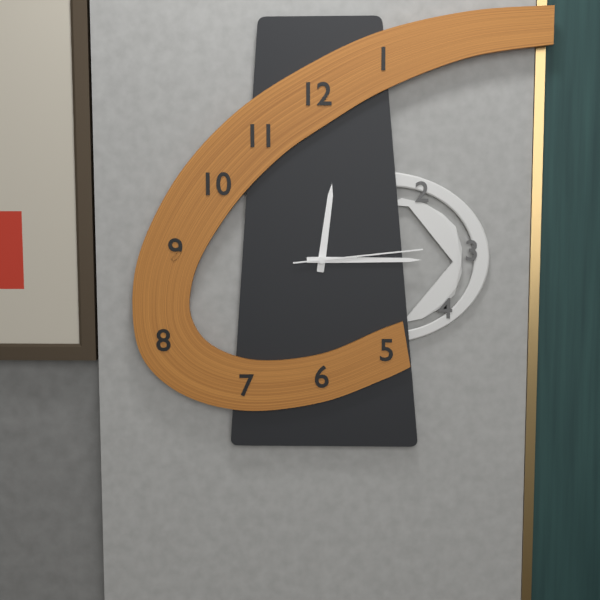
12:15:14
